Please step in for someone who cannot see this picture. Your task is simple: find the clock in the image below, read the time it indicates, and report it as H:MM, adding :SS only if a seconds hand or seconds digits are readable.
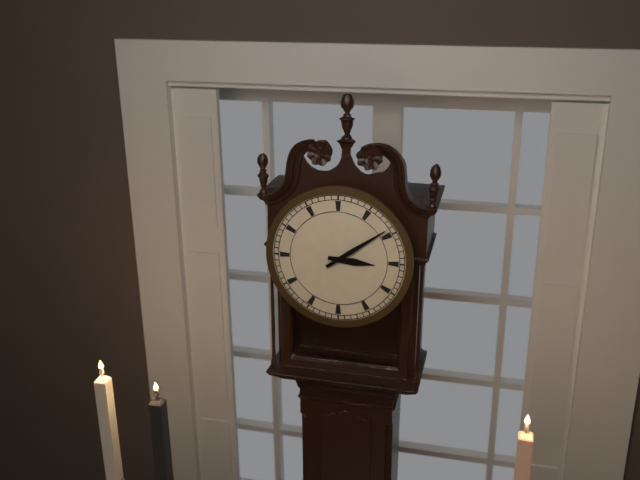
3:09
